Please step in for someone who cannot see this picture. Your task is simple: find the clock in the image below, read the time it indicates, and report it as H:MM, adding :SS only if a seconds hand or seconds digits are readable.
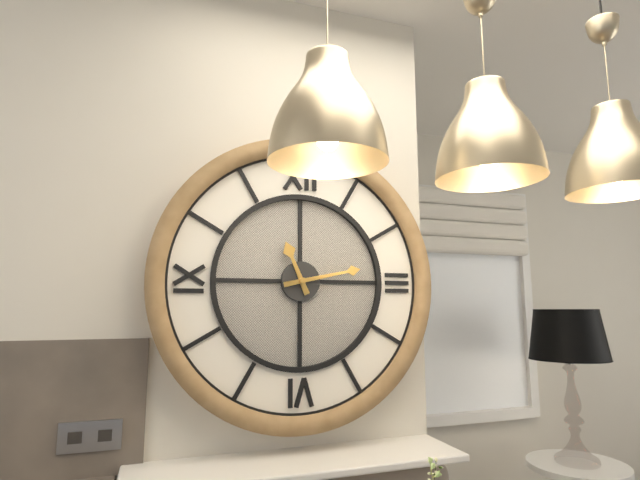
11:13
